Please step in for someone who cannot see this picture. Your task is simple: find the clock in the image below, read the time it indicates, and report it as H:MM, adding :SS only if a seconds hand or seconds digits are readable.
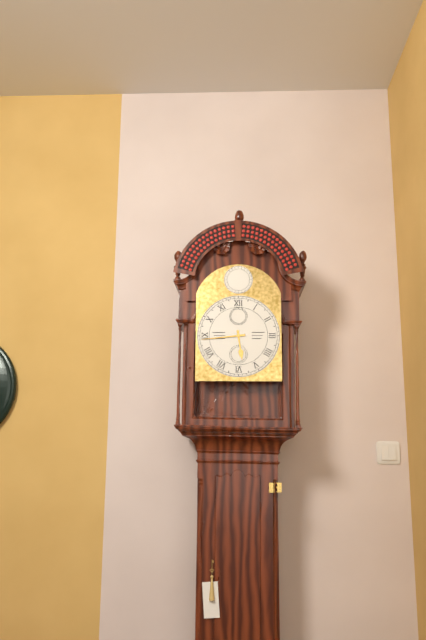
5:44
